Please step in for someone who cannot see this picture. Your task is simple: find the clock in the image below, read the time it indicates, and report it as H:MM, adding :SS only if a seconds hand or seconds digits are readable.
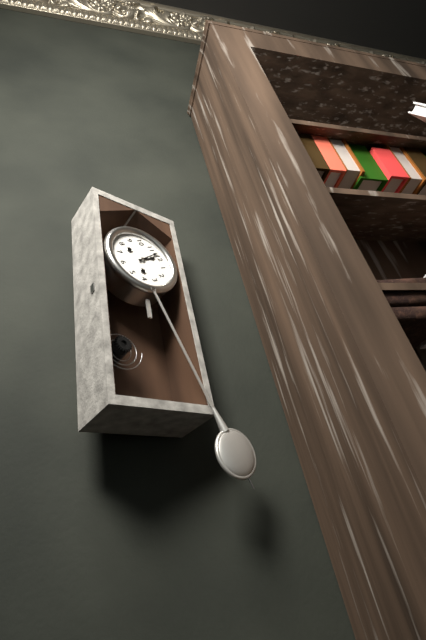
11:58
